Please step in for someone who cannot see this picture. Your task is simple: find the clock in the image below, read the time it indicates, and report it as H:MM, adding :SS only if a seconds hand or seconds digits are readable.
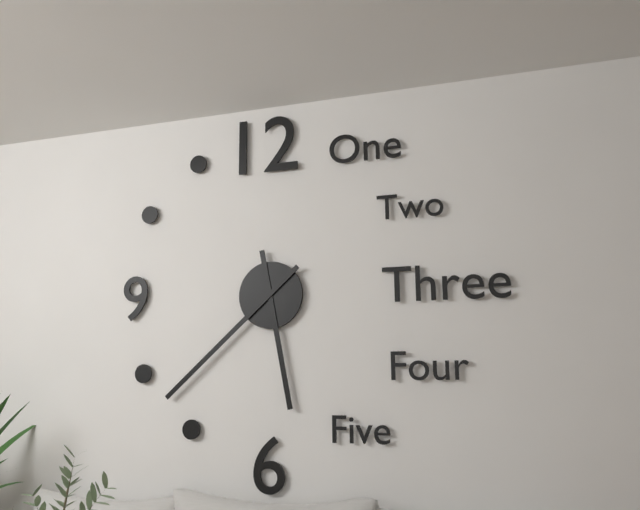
5:38
